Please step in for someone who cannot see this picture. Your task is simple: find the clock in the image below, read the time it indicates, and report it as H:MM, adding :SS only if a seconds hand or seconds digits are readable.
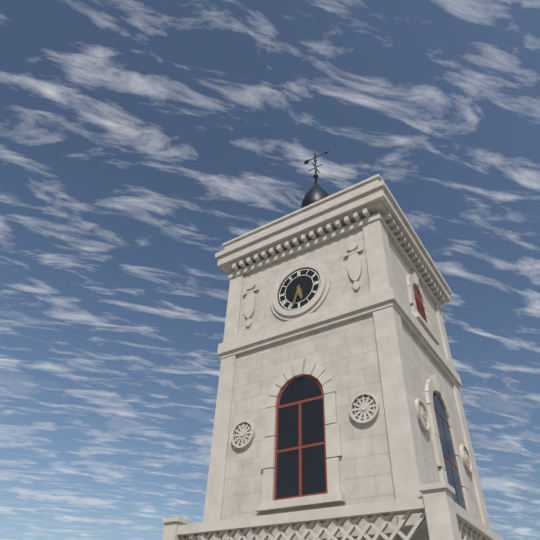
5:33
